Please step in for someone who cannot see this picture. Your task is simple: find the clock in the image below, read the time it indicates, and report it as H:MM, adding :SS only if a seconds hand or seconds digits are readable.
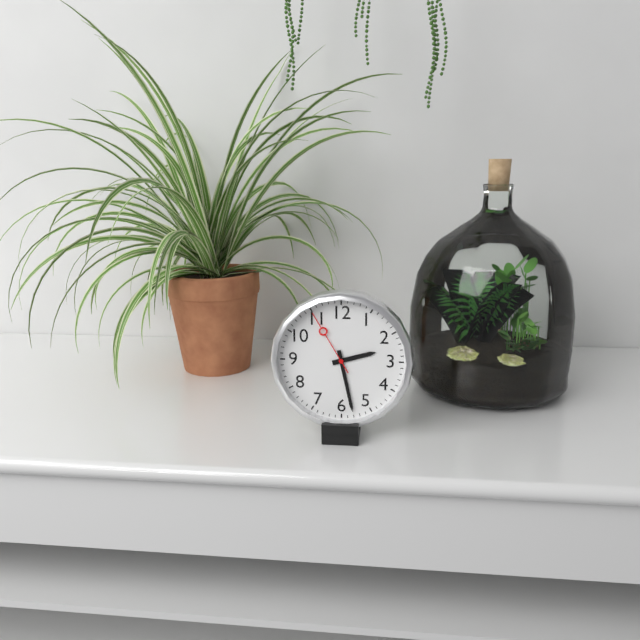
2:28:55
